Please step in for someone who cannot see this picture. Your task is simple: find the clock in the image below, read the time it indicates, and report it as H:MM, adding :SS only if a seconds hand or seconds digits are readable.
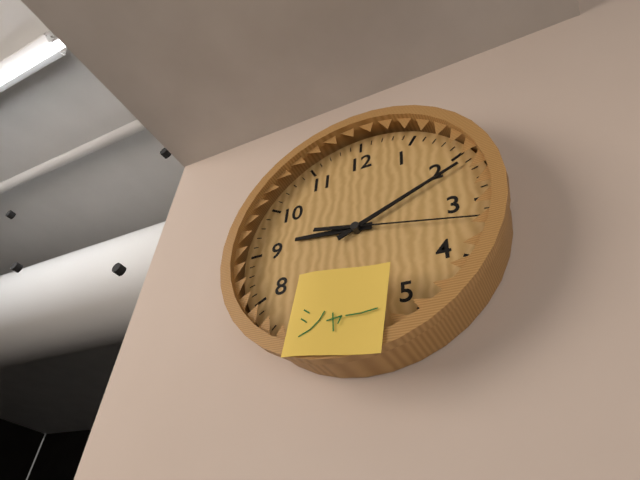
9:11:17
